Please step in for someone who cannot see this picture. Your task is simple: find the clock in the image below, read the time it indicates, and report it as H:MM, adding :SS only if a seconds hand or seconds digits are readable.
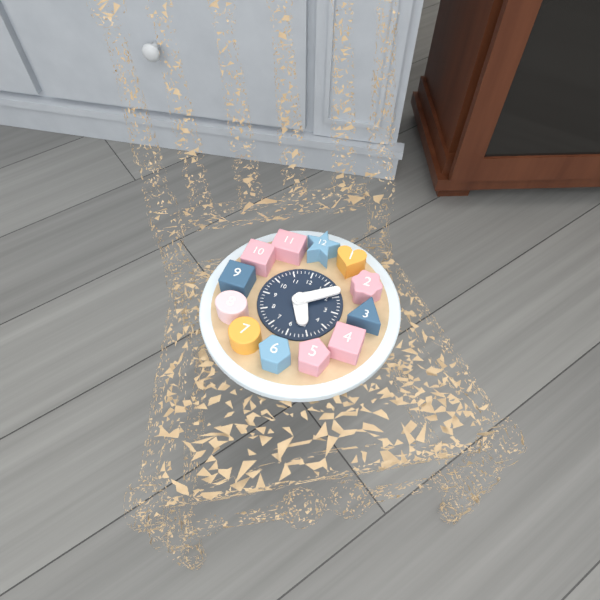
5:09
